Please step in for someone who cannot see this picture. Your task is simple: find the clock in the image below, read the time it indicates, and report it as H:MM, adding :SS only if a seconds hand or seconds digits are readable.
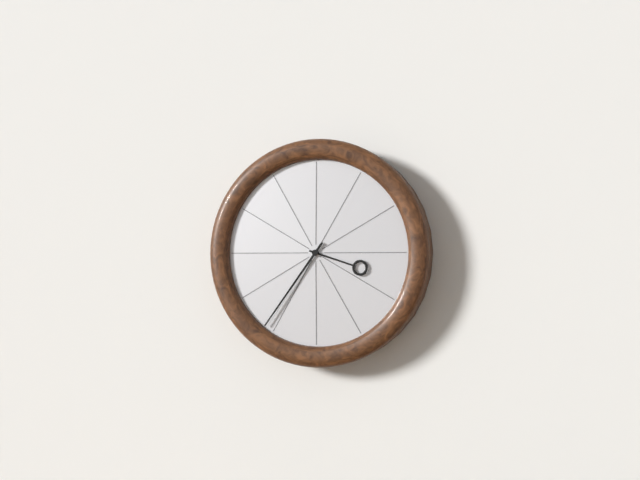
3:36
